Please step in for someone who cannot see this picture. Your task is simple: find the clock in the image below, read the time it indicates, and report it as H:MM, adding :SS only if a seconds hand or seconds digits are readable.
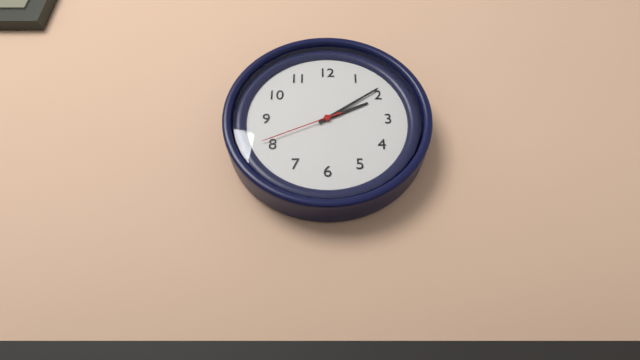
2:09:41
